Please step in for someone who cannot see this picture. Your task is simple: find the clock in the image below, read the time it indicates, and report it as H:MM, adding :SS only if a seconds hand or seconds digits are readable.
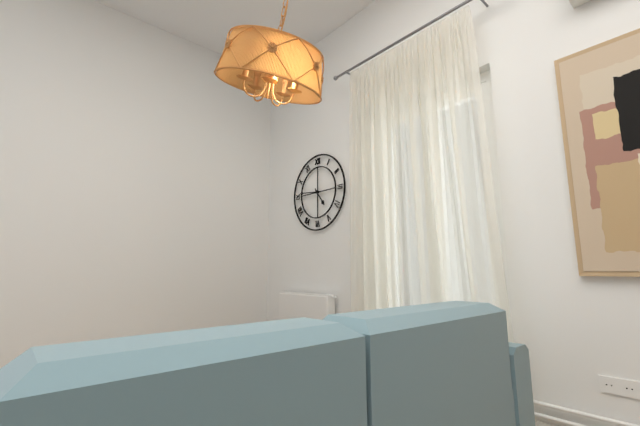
4:46
